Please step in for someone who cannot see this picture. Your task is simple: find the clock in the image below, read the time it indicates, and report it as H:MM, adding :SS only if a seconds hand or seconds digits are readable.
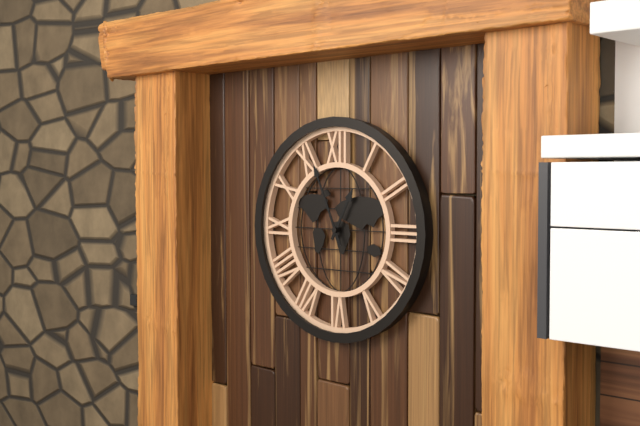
12:56
